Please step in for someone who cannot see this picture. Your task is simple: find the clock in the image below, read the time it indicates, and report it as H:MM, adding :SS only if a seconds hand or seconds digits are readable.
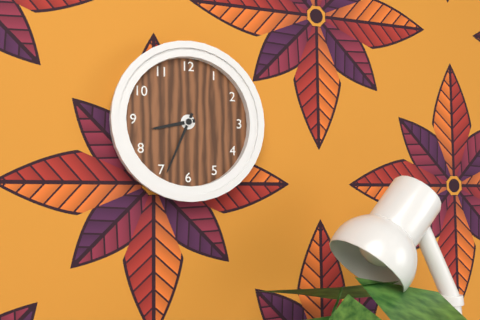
8:34
